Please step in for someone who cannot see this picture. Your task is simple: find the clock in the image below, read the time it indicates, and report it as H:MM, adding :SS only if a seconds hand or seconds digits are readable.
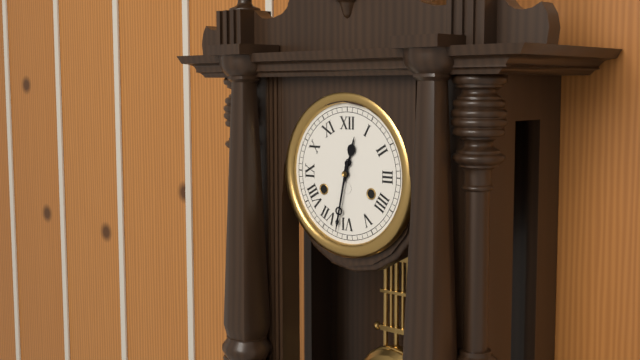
12:32
